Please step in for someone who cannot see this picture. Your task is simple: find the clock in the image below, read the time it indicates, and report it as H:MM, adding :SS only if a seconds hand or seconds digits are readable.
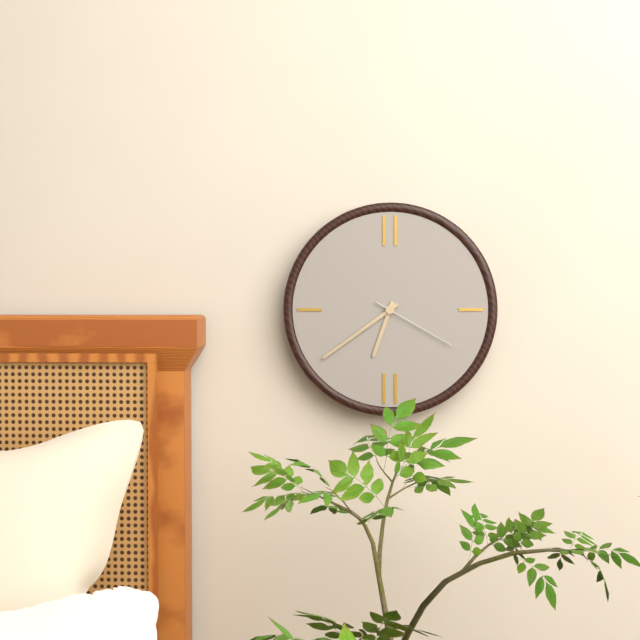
6:39:20
